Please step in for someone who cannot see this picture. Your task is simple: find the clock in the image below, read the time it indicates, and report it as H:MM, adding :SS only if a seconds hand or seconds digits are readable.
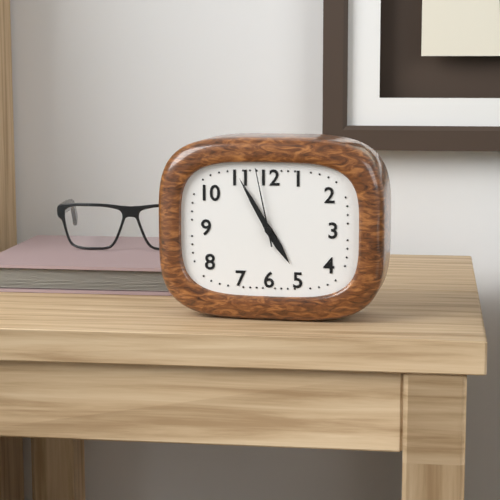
4:55:58
